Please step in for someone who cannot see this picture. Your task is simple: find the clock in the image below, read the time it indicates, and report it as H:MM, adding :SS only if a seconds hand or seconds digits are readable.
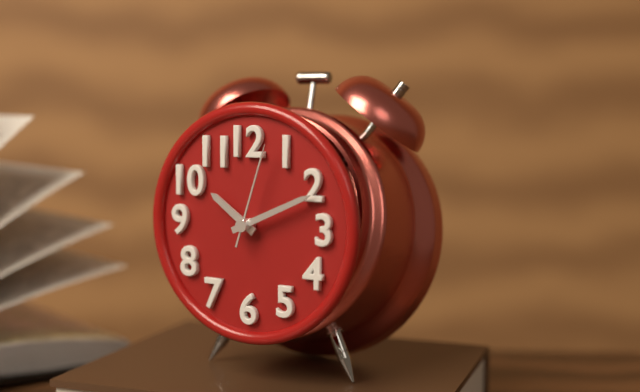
10:11:03
